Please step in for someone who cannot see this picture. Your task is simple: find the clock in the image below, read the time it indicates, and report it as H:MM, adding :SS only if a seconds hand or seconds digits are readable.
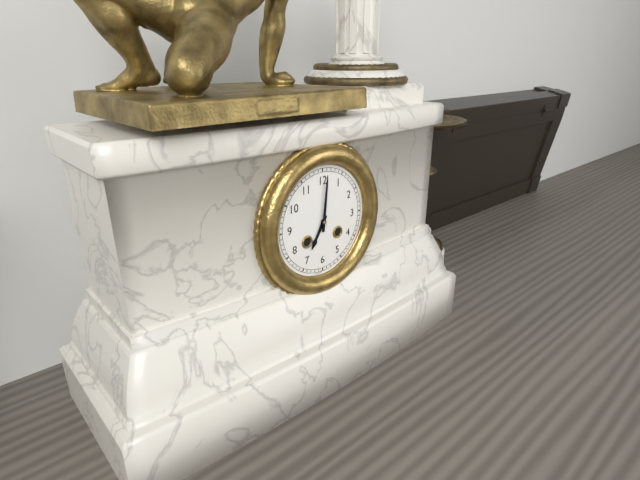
7:01
